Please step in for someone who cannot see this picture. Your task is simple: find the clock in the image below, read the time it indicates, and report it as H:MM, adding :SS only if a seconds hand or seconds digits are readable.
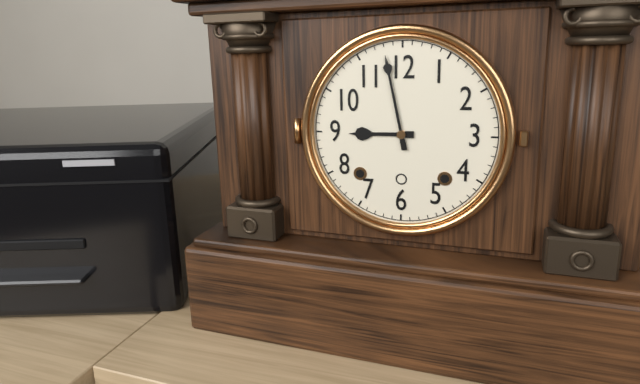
8:58
